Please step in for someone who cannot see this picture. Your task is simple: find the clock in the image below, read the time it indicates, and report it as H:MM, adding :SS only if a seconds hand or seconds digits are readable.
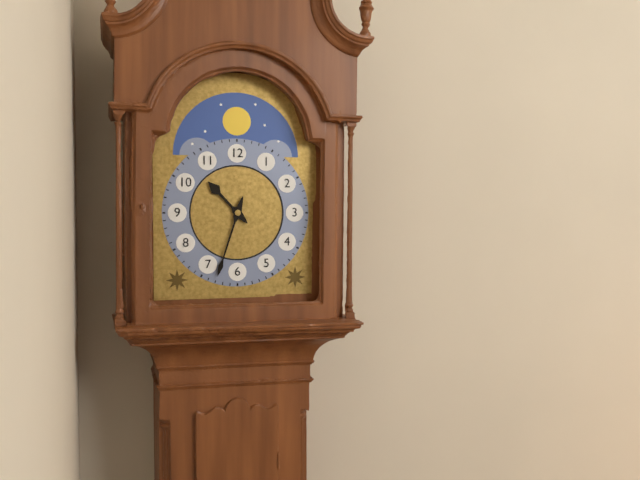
10:33
